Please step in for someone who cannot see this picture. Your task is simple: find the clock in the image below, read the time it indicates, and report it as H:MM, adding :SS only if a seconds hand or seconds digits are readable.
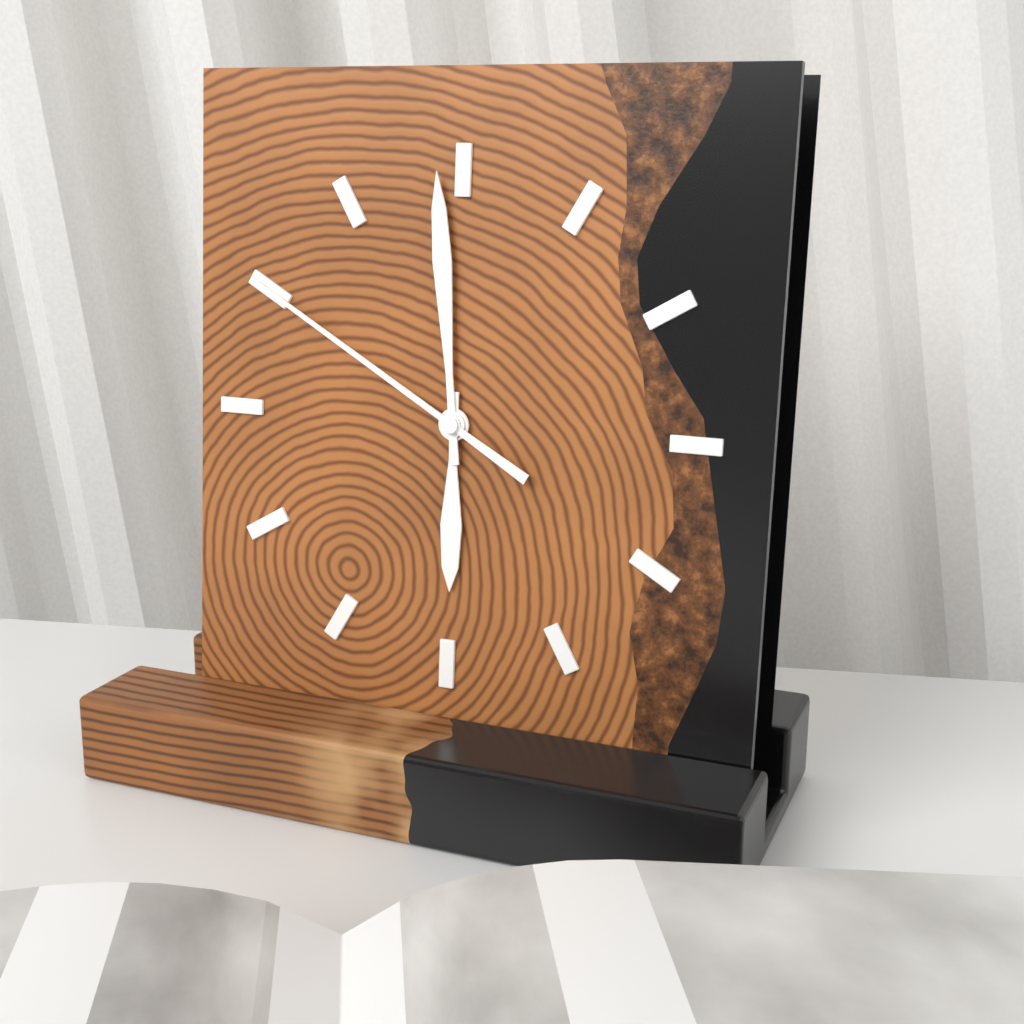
5:59:50
